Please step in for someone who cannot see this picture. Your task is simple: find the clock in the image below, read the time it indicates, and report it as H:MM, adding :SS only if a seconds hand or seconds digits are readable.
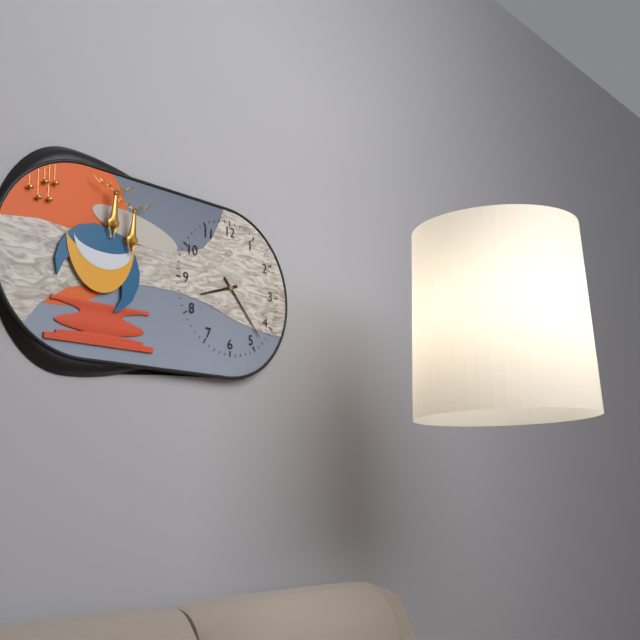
8:23
